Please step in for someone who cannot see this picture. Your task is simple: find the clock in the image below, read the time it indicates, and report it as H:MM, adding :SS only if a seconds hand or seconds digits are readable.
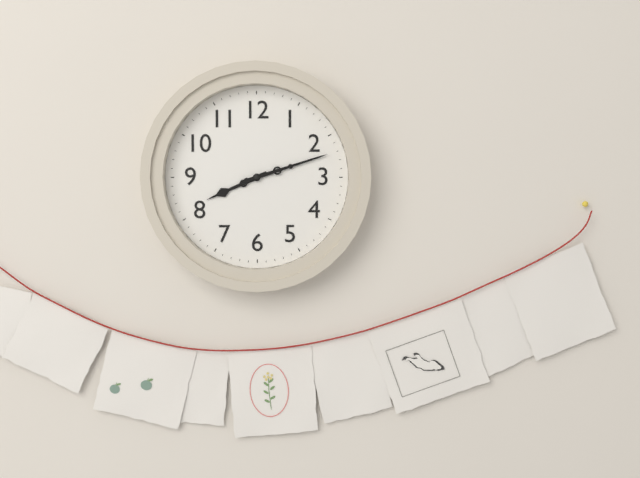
8:12
